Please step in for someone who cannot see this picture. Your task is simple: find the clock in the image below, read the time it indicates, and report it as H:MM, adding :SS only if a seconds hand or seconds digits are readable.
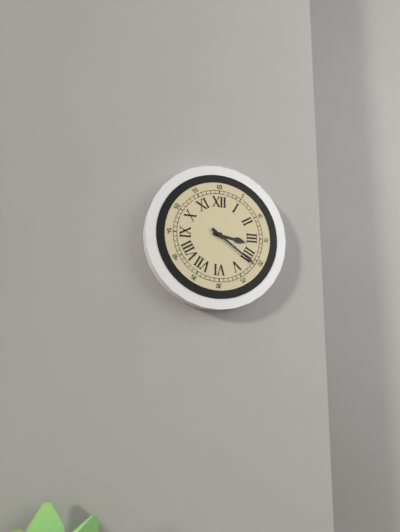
3:21
